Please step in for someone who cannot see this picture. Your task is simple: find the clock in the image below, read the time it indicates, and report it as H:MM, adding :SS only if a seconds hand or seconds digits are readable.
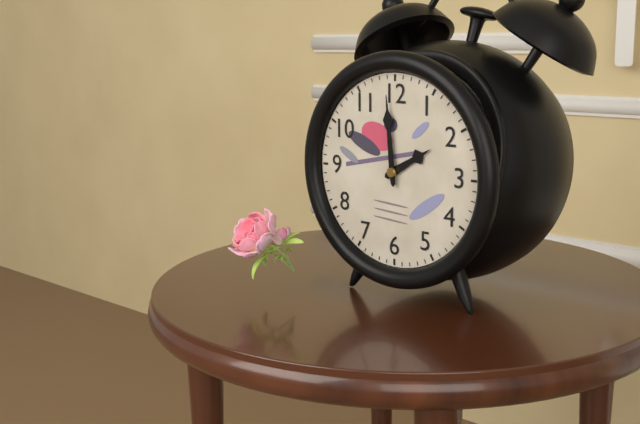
1:59
